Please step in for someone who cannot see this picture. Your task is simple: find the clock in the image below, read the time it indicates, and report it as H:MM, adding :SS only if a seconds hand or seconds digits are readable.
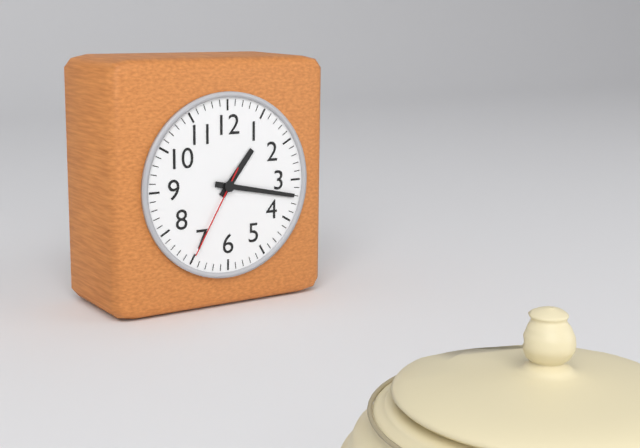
1:17:35
